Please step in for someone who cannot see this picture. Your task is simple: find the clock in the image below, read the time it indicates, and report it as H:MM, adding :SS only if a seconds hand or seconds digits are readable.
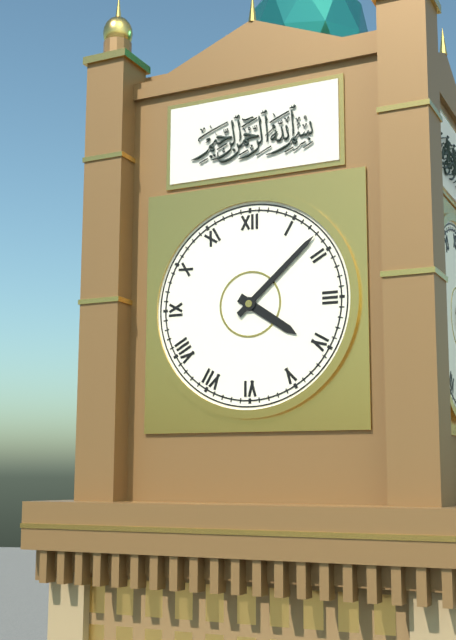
4:08
